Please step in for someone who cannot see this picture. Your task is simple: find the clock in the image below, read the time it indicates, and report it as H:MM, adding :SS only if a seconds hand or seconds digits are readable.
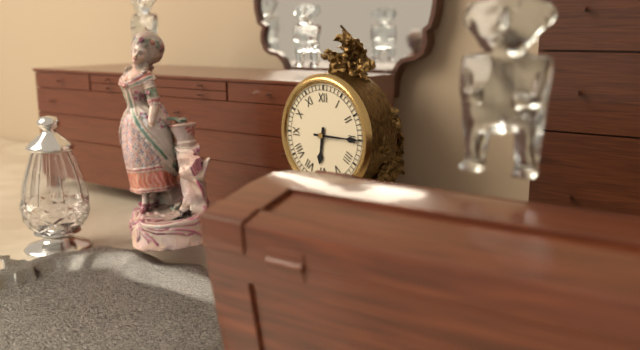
6:15
